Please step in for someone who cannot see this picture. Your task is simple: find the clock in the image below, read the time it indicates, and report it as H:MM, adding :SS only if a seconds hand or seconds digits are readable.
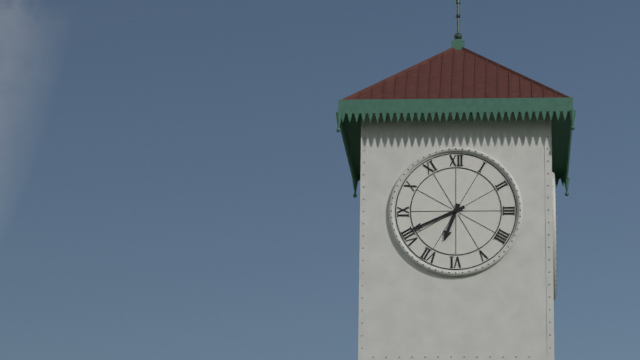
6:41
